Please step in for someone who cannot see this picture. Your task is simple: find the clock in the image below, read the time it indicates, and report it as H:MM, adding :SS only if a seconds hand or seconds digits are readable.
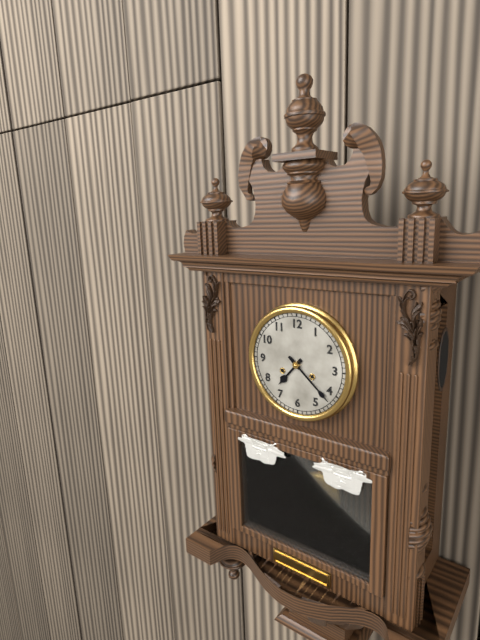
7:22
